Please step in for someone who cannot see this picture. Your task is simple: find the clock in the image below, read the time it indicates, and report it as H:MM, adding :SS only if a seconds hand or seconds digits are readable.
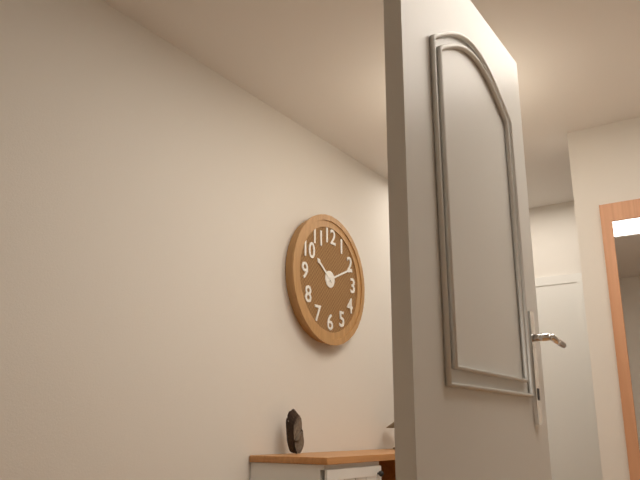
10:11
